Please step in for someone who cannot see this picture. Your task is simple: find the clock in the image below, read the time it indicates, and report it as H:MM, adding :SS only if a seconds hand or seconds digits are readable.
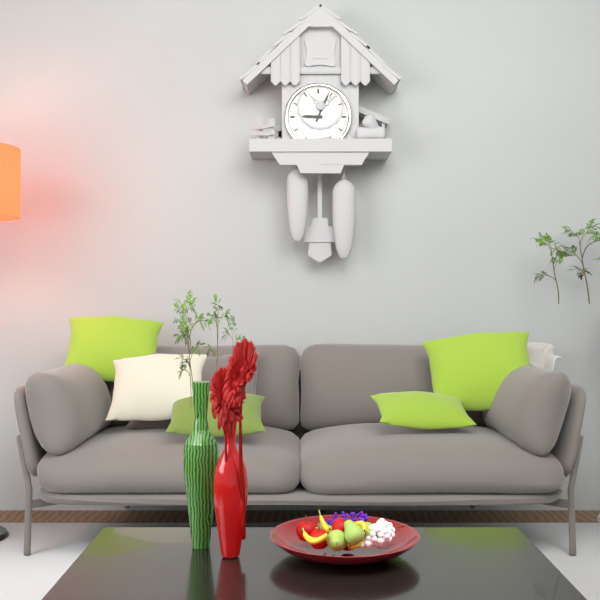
9:04
